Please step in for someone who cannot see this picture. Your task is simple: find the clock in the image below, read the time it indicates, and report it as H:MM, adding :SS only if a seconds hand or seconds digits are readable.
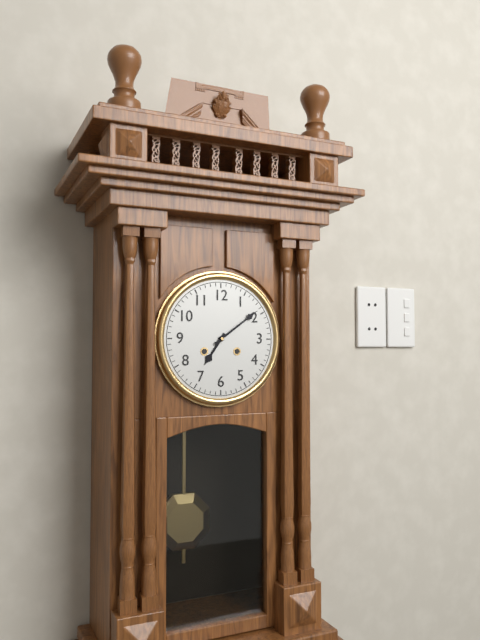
7:09
